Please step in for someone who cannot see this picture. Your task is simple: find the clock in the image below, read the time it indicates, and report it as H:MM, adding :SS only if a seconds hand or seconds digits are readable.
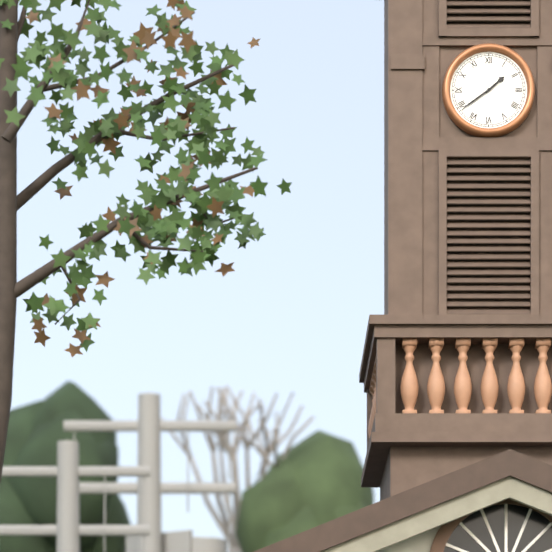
1:39
